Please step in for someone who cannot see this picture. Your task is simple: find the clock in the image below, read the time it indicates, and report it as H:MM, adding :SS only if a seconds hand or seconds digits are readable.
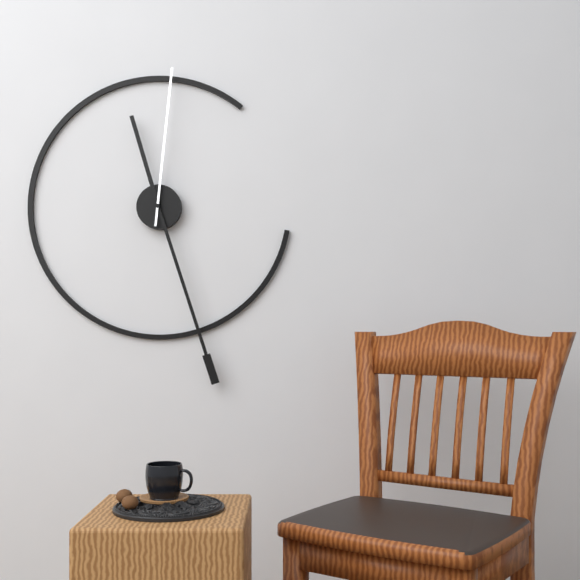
11:27:01
